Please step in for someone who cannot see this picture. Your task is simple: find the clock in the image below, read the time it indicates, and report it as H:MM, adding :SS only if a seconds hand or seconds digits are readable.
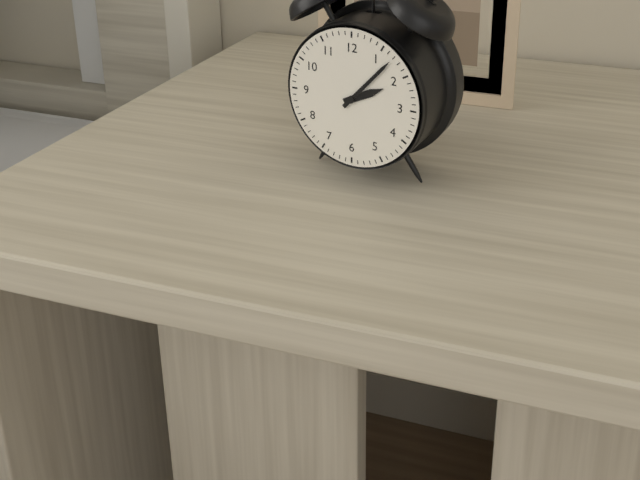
2:07
